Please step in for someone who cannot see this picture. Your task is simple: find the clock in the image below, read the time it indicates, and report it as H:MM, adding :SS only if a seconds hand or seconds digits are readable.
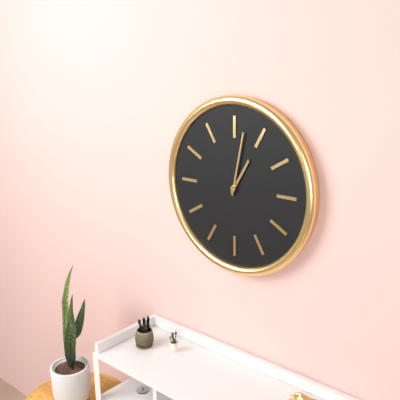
1:02
